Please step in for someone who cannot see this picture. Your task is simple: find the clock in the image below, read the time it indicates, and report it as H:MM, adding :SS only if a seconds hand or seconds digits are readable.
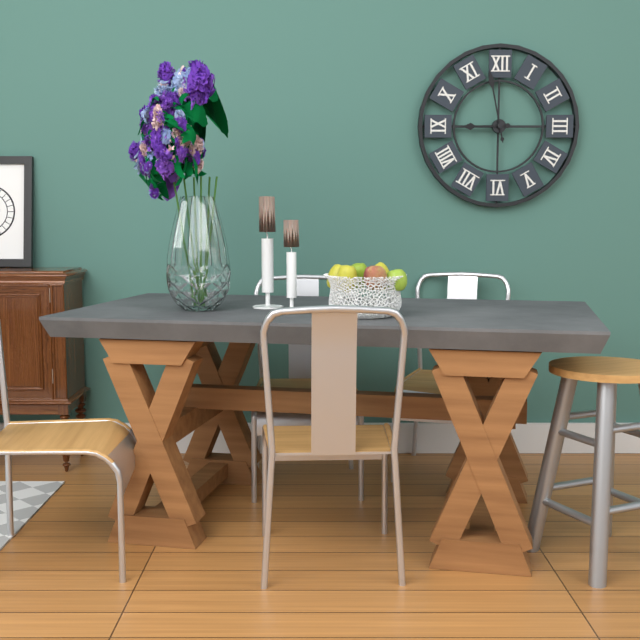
8:58
